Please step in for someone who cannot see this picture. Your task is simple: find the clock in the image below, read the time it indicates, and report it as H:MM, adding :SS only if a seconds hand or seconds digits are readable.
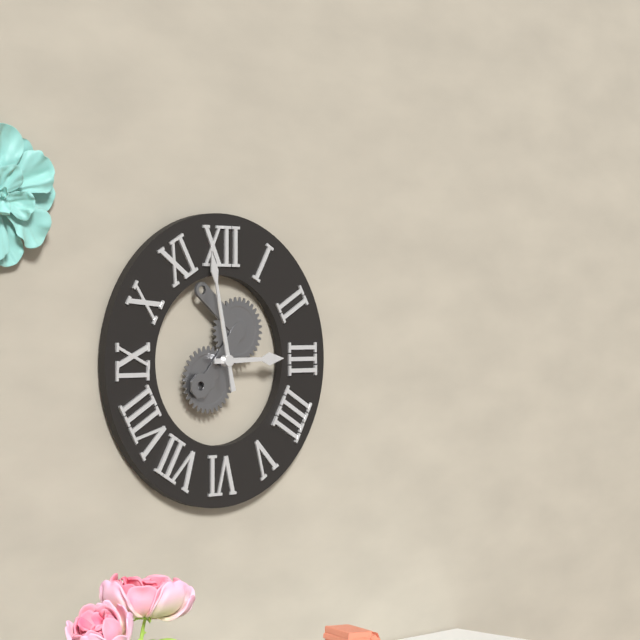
2:58
